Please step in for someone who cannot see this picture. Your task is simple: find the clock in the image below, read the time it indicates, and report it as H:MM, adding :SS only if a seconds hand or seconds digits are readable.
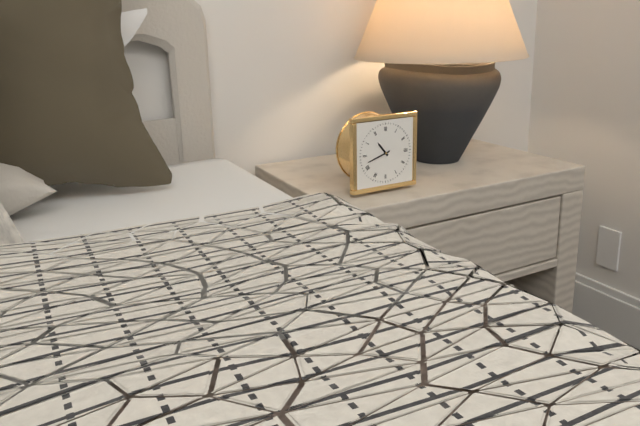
10:42
